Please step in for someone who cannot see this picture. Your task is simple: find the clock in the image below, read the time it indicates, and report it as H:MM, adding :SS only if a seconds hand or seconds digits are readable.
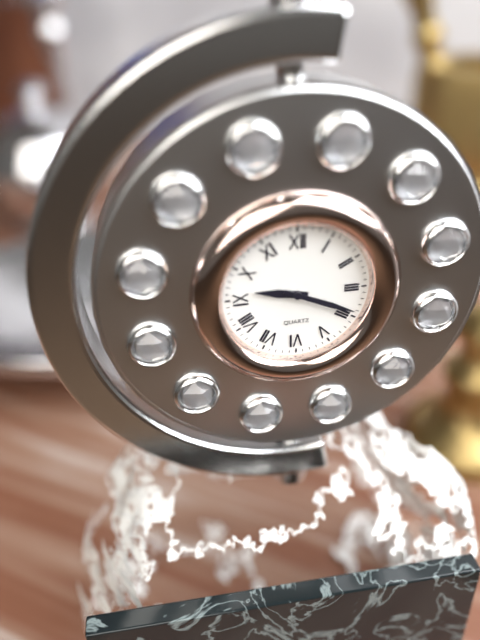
9:19
